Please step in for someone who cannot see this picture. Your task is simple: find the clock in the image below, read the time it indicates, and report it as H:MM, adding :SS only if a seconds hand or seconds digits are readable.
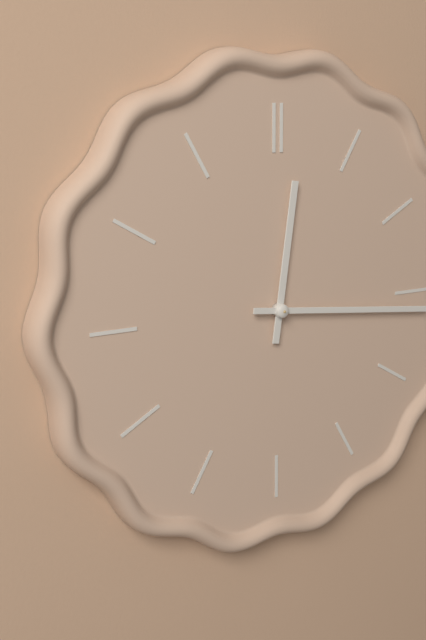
12:16
